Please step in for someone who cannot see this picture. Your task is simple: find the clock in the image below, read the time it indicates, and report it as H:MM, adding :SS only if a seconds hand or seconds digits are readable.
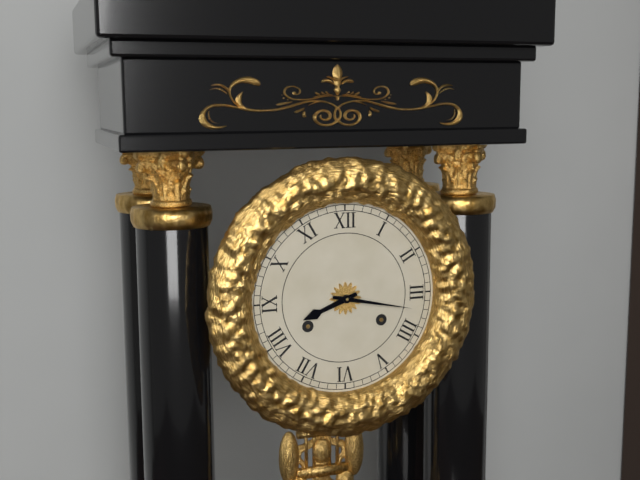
8:17
